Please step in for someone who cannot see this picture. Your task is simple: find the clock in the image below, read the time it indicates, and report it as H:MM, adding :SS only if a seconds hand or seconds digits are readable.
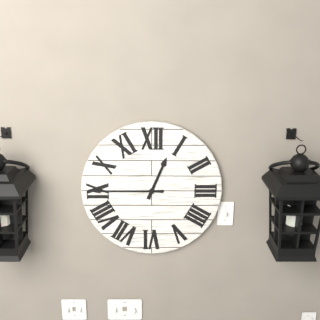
12:45
